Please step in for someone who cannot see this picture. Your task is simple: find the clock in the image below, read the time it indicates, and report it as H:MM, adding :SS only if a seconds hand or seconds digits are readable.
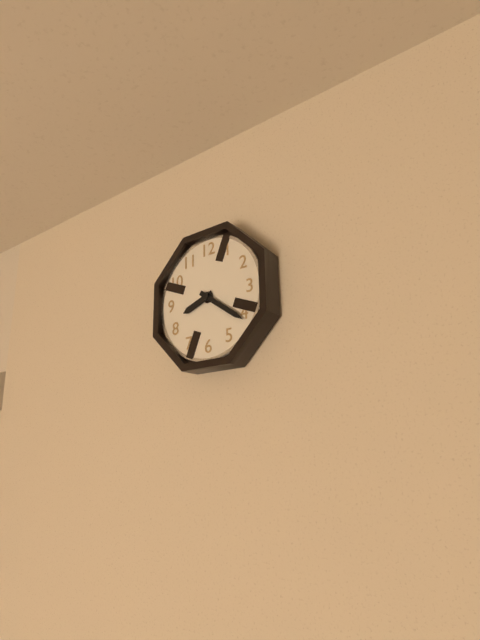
8:21
